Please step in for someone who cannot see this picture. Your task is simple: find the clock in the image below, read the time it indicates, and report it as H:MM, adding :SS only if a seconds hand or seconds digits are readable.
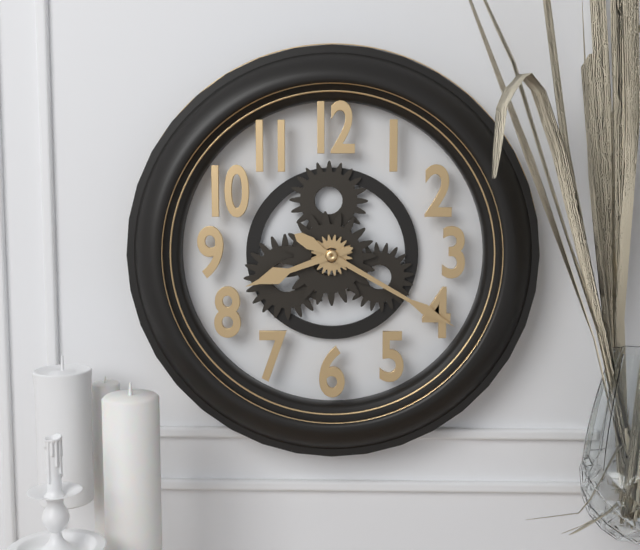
8:20
